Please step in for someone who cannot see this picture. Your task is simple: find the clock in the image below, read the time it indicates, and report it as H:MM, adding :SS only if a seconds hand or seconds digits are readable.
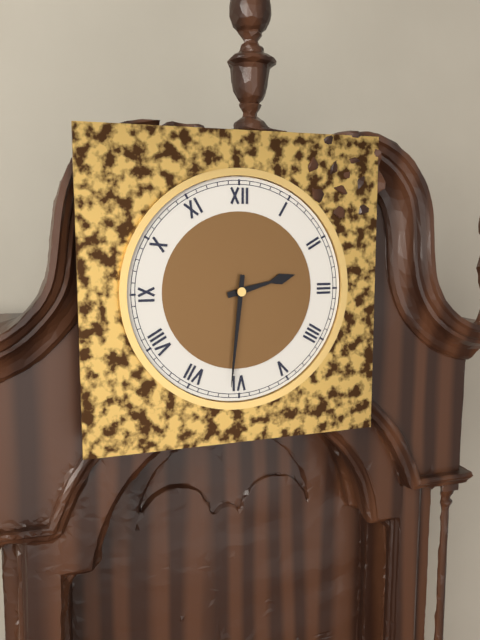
2:31
